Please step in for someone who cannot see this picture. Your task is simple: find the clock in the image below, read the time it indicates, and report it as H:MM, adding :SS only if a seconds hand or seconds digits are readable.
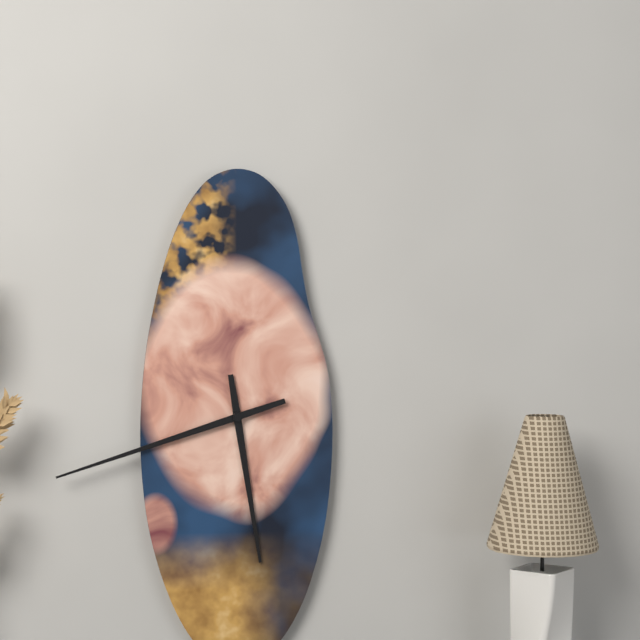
5:42
